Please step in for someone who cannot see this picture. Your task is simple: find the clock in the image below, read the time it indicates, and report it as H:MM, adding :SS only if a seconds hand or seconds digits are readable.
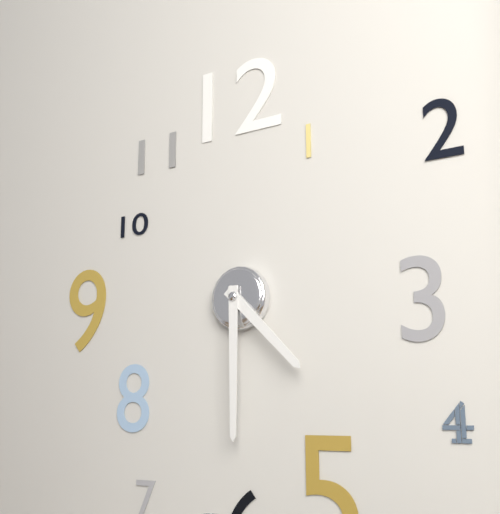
4:30
